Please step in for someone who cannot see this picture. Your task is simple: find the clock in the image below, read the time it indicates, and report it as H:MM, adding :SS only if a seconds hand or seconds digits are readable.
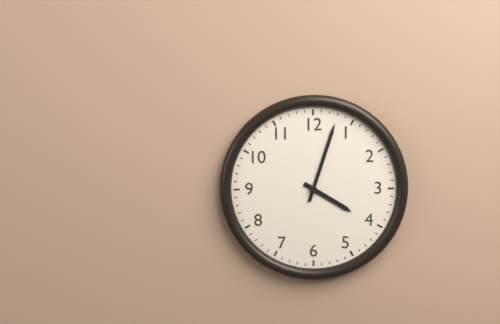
4:03
